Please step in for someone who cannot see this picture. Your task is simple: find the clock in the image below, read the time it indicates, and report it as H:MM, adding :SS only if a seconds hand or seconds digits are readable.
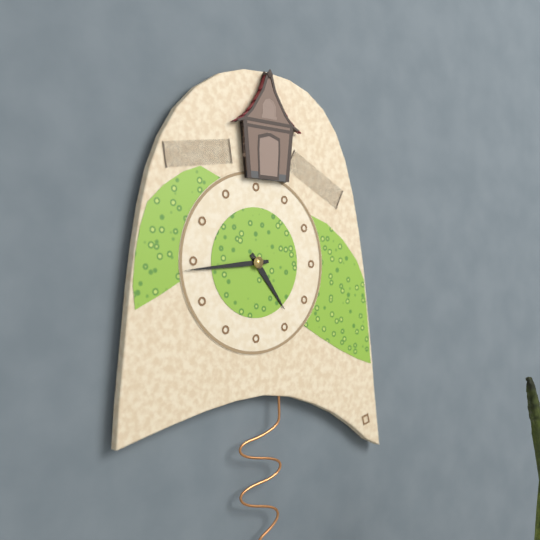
4:44
